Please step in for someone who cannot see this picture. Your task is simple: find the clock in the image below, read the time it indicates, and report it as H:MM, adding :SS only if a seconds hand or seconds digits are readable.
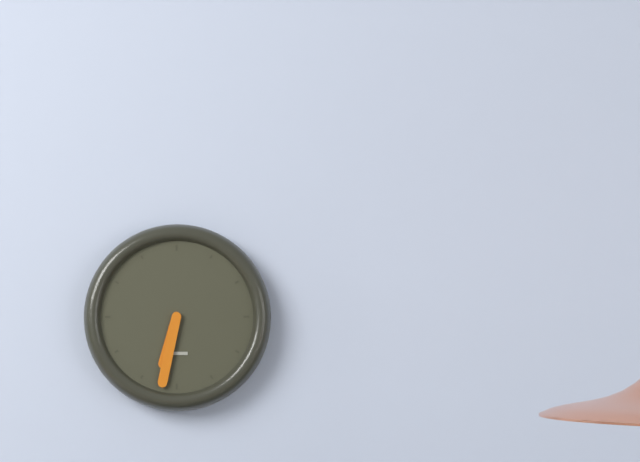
6:32
